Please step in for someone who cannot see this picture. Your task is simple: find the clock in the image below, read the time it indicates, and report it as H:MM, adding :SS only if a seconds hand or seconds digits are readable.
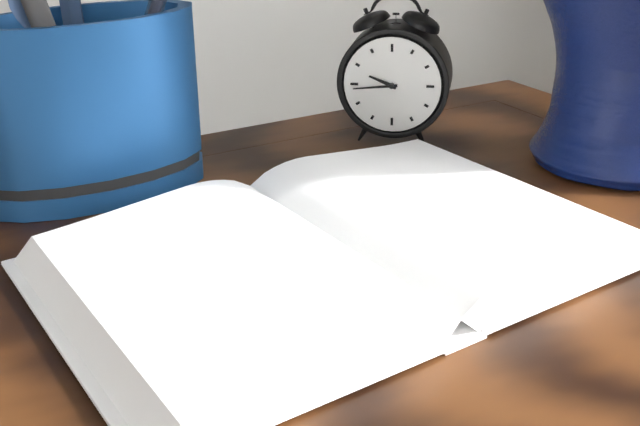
9:44
